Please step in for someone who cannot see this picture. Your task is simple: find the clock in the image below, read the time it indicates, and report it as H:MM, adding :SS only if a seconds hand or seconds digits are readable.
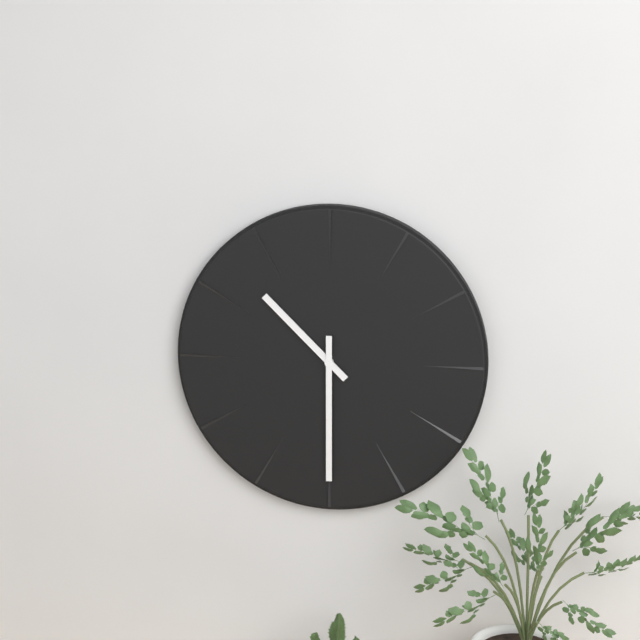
10:30
